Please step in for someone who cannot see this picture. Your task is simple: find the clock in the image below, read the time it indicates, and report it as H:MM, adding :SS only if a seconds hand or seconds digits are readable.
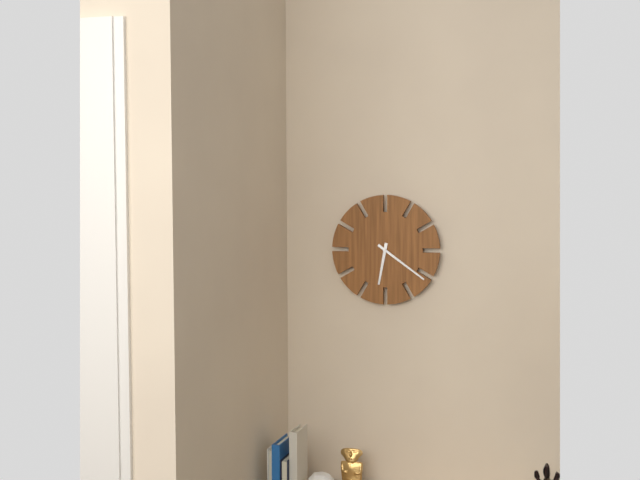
6:21
